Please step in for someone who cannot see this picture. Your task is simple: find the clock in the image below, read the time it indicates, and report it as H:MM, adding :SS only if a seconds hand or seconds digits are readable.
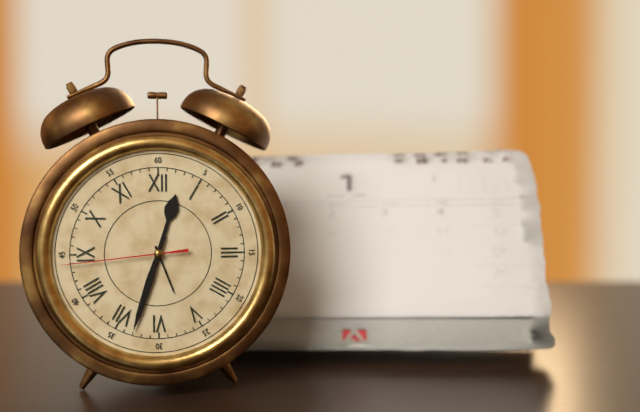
12:33:44
